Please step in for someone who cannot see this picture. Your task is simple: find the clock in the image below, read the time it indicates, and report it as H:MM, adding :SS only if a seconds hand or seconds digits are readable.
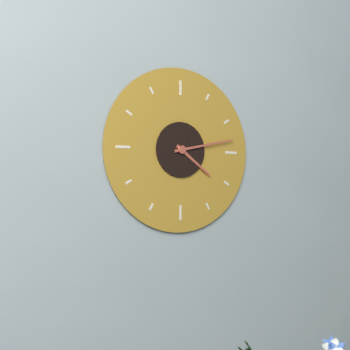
4:13
